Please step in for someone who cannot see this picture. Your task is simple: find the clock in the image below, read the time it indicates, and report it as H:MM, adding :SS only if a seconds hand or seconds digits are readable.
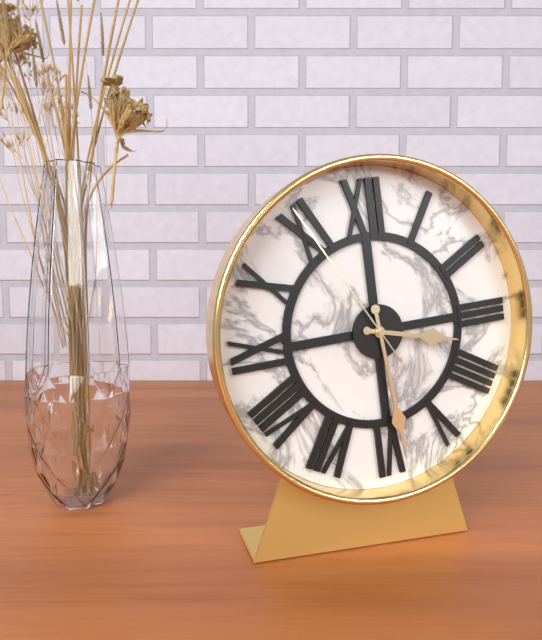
3:29:55
